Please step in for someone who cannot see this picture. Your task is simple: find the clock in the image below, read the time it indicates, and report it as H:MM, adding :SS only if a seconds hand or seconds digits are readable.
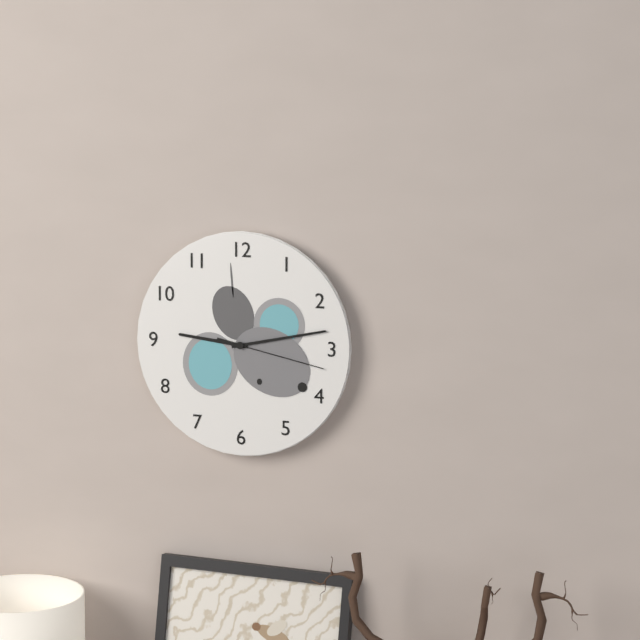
9:13:17
